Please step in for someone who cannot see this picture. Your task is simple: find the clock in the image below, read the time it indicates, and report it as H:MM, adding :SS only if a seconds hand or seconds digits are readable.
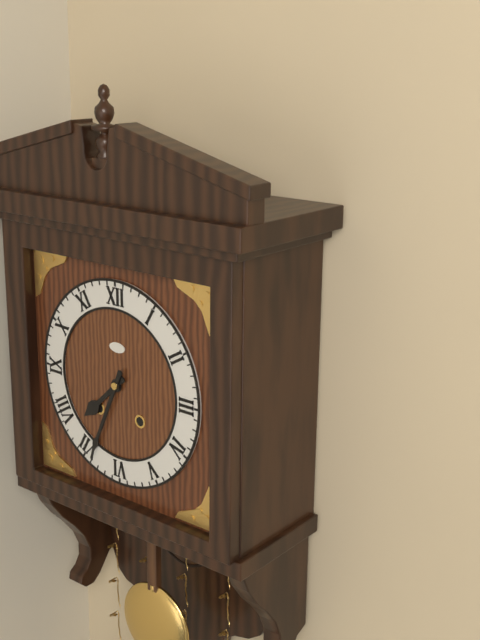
7:34
